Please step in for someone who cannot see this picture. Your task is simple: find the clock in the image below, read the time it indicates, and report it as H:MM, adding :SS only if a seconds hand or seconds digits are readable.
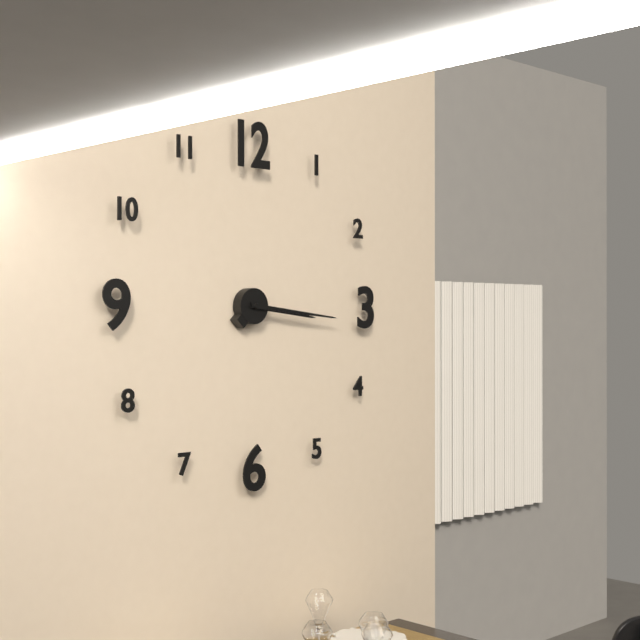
3:16
